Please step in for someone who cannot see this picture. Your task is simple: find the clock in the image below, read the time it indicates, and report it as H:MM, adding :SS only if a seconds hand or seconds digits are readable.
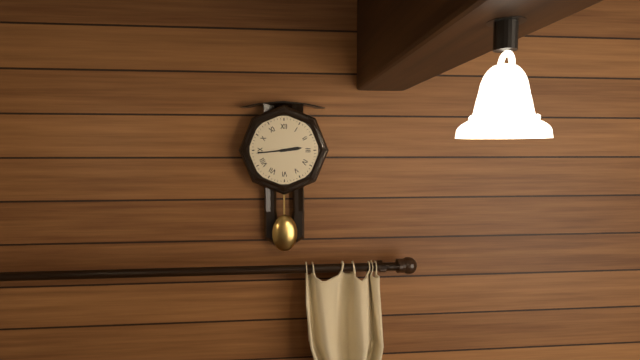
2:44
